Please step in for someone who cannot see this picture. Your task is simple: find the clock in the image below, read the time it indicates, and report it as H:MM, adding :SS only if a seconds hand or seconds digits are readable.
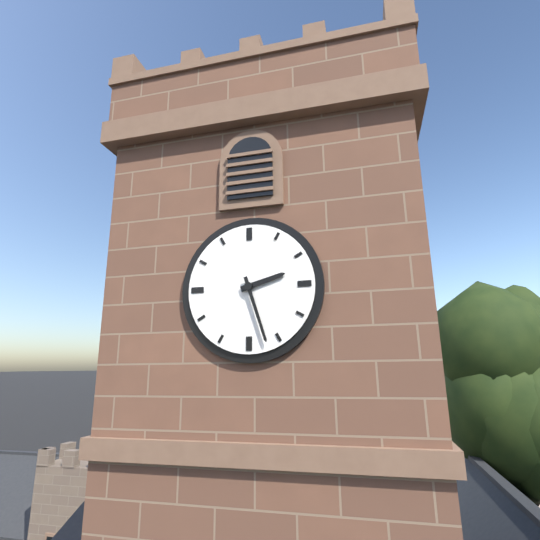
2:27
